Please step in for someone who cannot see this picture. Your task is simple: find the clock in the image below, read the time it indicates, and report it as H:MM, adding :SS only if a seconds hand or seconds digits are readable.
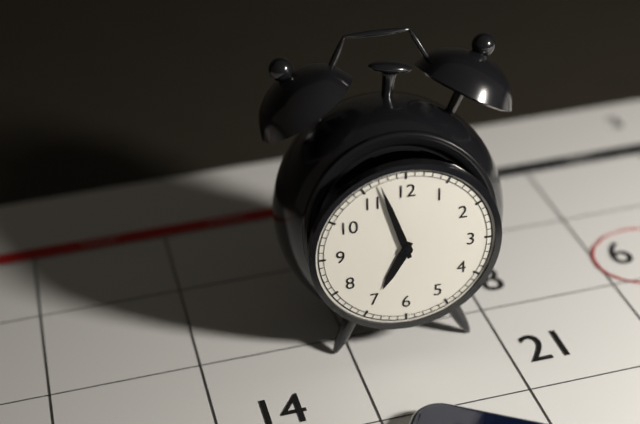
6:57
